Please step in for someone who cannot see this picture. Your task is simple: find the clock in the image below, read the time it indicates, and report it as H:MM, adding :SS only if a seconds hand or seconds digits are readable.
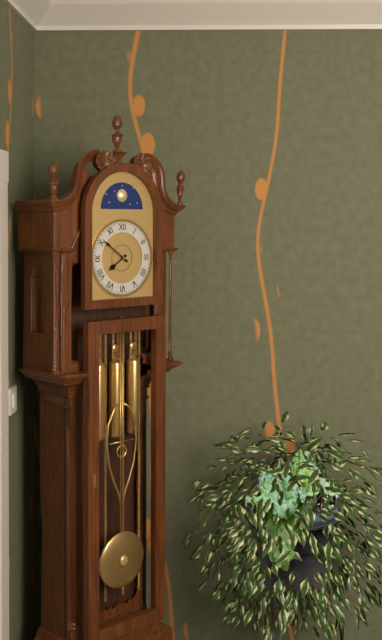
7:51
